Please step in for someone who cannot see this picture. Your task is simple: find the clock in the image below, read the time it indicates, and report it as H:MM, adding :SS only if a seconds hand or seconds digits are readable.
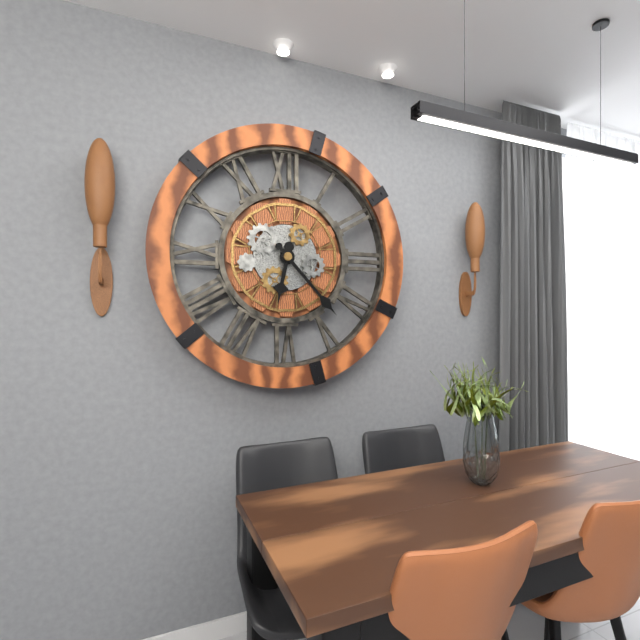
6:23
